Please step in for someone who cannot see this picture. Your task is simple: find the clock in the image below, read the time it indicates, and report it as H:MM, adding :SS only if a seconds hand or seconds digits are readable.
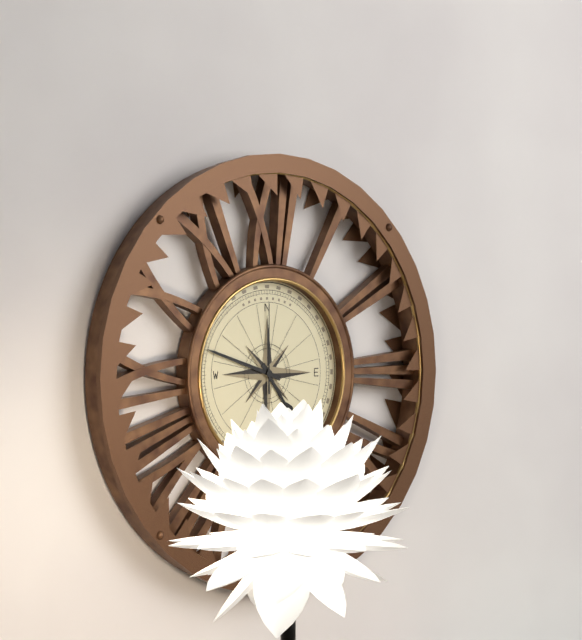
4:48:00
